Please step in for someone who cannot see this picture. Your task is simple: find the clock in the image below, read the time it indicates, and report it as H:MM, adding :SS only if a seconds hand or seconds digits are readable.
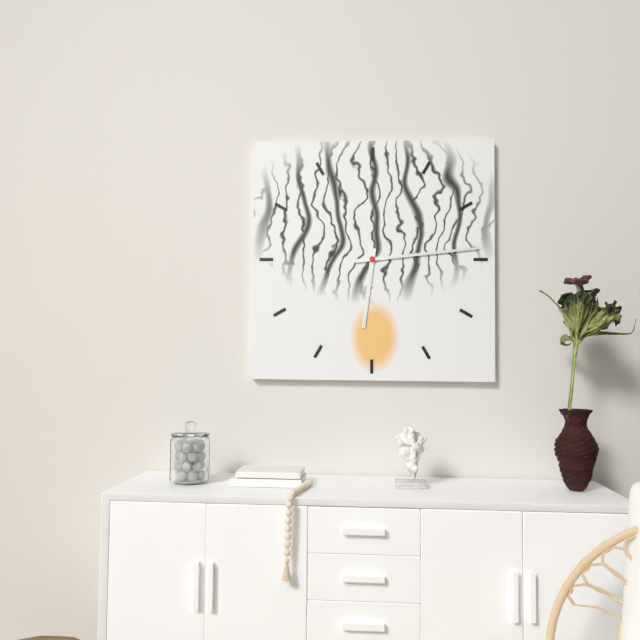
6:14
